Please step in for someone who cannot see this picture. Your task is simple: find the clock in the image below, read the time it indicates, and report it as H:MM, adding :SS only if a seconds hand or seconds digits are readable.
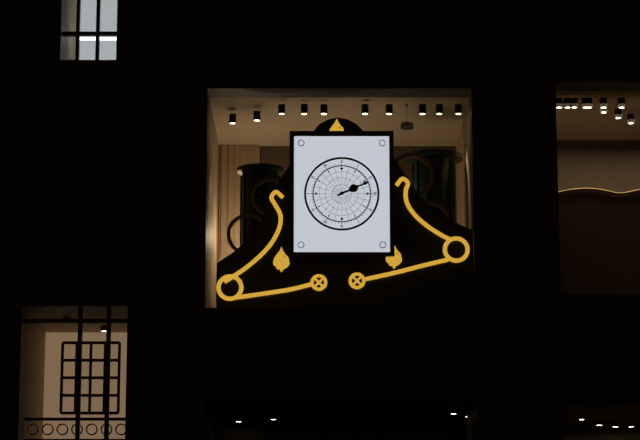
2:11
